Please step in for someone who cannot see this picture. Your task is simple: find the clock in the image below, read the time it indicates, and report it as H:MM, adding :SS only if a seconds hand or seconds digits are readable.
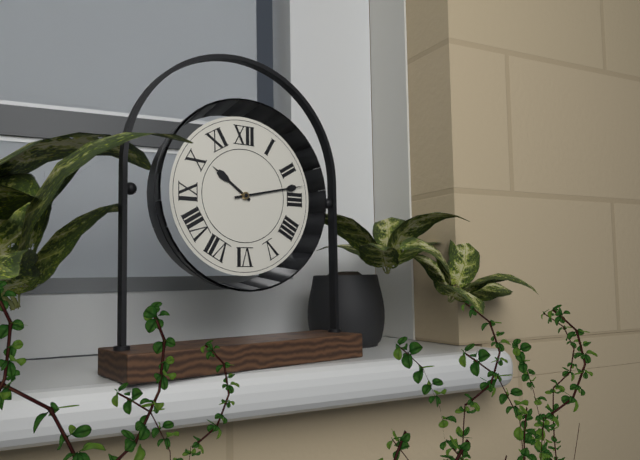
10:13
